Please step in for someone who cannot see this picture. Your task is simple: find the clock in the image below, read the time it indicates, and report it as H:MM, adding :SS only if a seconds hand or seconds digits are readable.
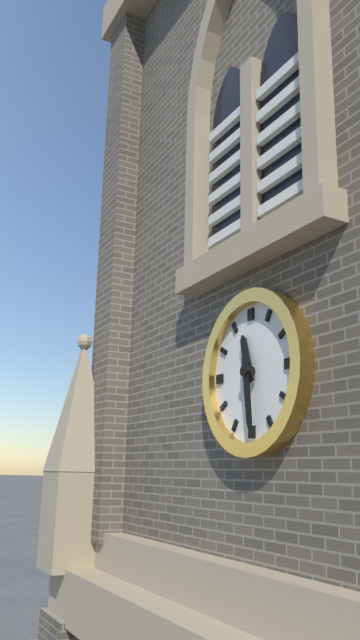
11:29
